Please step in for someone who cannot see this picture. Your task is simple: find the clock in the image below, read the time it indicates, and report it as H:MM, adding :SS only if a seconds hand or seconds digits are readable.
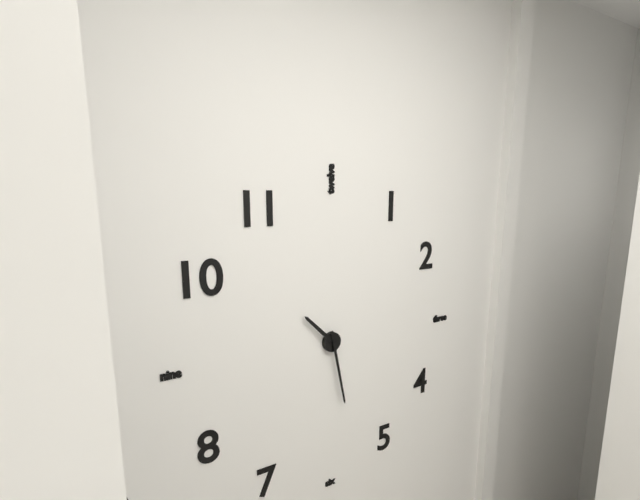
10:28
